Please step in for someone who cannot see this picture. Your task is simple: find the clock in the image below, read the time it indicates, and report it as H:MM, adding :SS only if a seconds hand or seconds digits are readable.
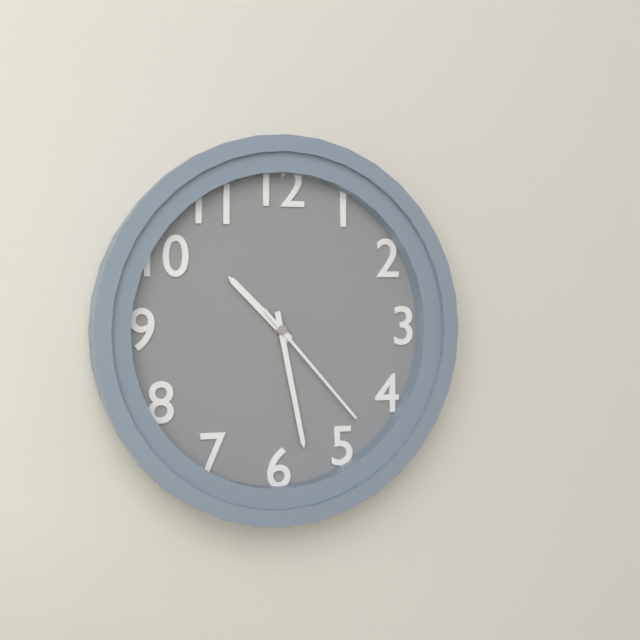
10:28:23
